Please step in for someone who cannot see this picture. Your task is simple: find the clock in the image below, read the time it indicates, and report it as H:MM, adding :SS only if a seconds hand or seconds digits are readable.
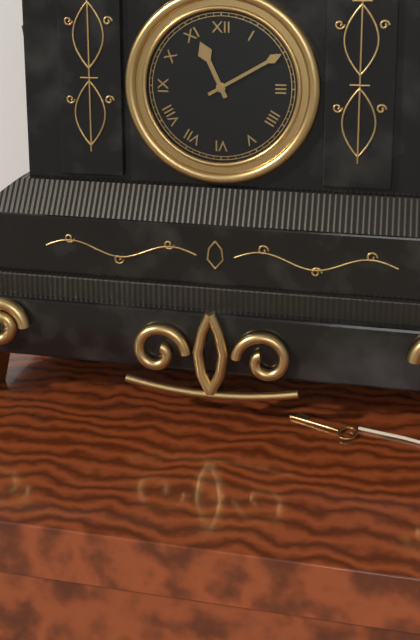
11:10
